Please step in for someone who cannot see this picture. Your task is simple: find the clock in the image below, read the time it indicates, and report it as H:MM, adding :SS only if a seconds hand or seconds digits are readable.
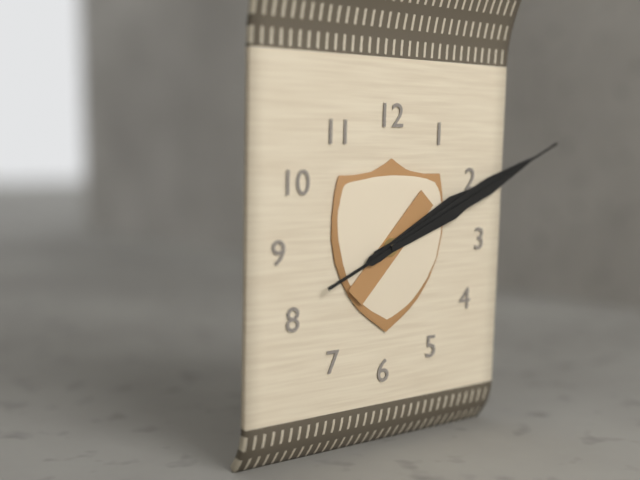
2:11:11
